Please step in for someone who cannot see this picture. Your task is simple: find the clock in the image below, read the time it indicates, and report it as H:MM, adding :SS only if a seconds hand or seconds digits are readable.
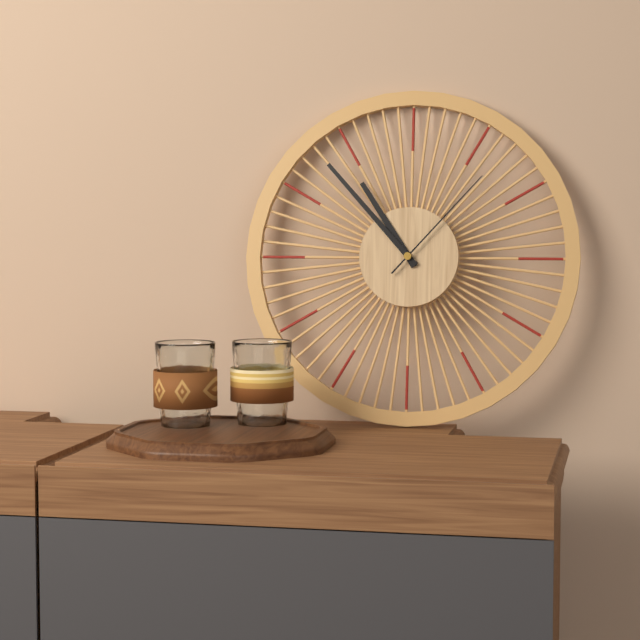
10:53:07
